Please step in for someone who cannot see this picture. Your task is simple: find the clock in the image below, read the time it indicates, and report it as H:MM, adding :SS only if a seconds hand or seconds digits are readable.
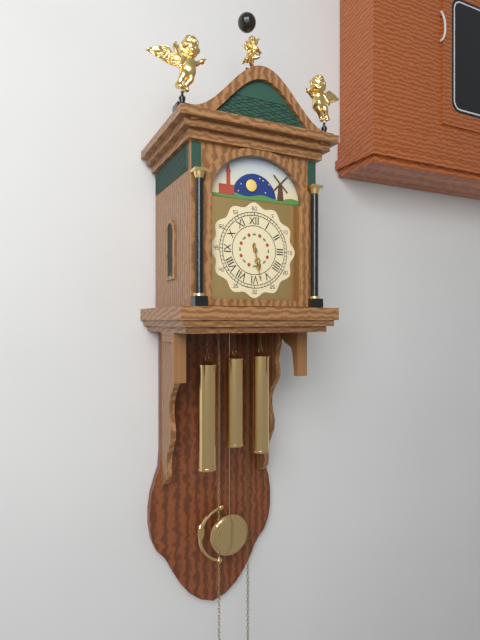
5:28
